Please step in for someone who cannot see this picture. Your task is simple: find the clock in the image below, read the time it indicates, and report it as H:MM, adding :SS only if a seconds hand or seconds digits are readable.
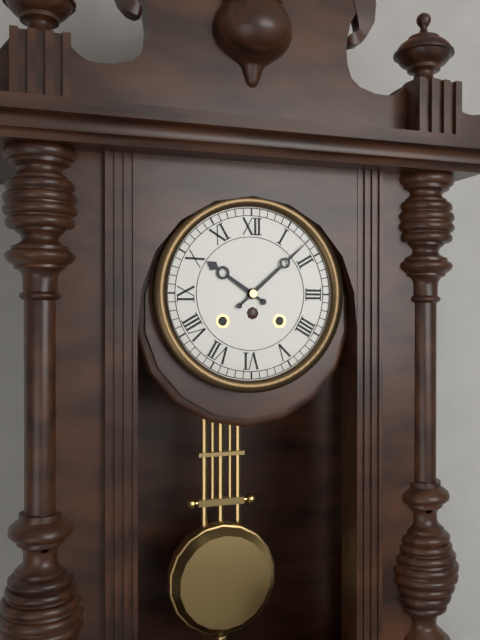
10:08
